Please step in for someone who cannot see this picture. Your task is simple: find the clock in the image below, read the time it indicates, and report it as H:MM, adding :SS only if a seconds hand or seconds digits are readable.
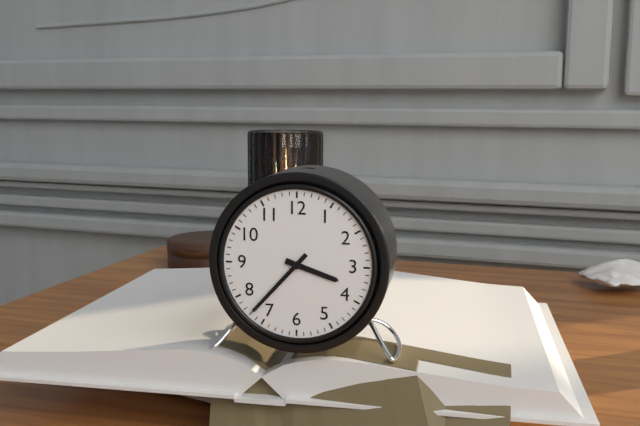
3:37
